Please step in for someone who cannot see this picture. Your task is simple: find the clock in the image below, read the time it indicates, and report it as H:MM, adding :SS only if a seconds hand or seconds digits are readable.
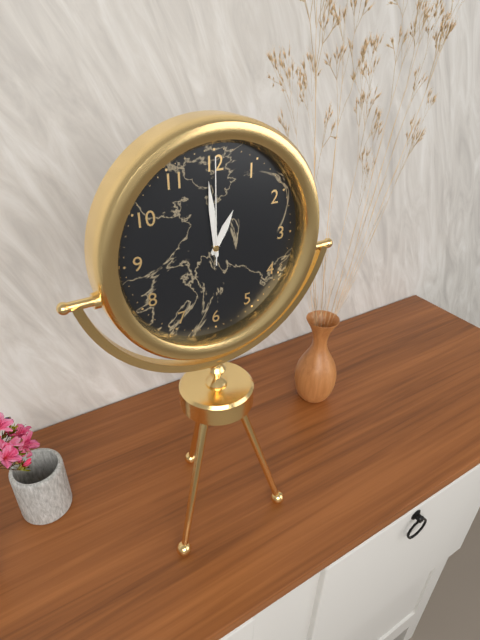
12:59:00
